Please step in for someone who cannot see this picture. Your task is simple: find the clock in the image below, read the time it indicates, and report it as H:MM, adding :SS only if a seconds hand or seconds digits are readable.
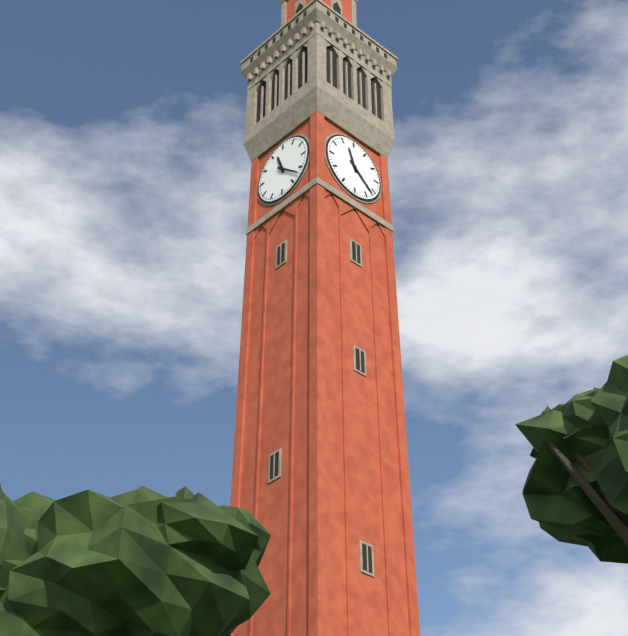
11:22
